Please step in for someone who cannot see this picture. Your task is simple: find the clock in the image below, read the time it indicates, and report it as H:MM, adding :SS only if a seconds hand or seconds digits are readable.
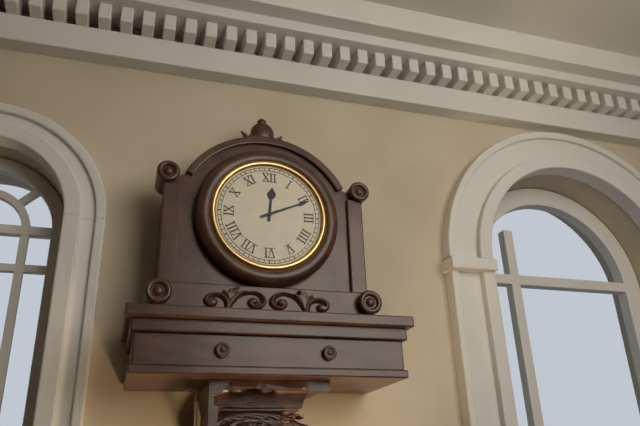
12:11
